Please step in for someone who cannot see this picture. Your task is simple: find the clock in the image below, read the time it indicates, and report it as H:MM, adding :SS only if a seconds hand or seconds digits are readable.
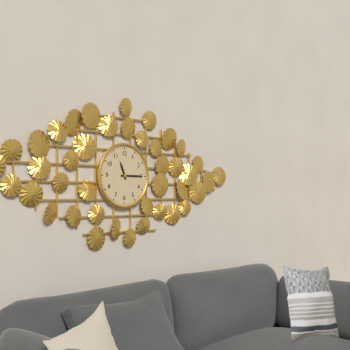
11:15
